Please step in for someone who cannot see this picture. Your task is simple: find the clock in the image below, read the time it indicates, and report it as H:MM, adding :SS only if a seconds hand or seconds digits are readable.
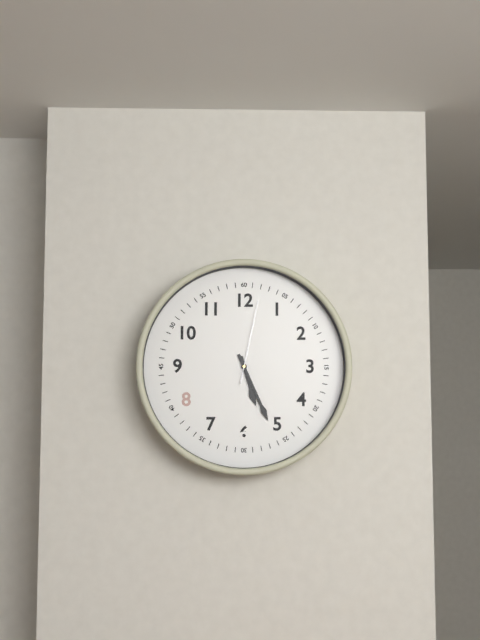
5:26:02
